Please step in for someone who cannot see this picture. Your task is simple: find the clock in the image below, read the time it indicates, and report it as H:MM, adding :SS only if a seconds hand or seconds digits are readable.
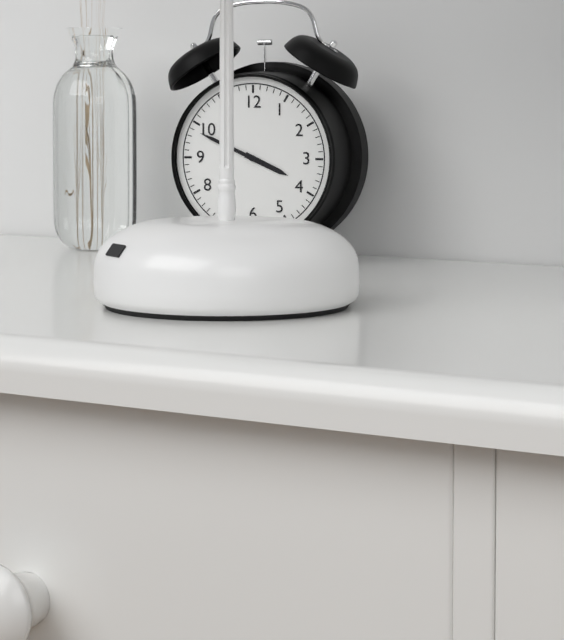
3:49
